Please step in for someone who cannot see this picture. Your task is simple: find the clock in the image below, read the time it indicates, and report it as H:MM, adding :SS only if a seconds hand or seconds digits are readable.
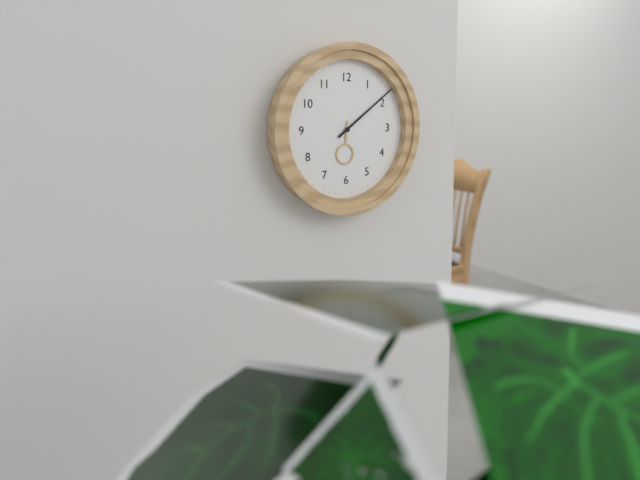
6:09
